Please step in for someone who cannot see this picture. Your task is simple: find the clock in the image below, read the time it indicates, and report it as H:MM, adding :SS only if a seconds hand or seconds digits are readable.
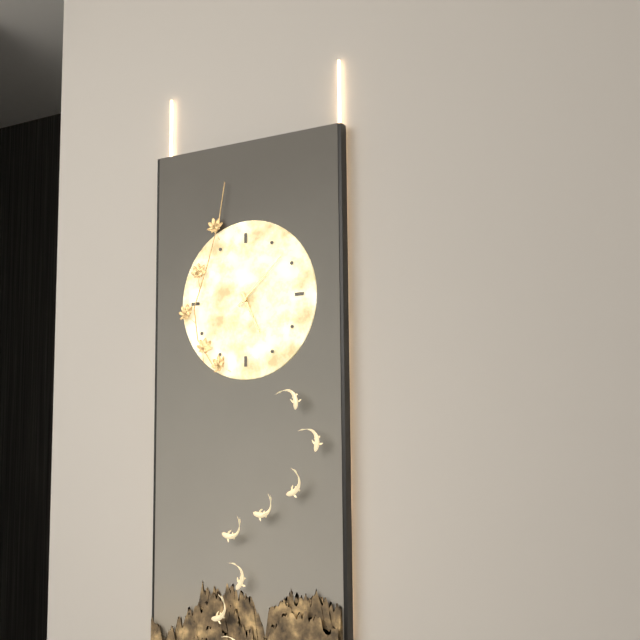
5:08
